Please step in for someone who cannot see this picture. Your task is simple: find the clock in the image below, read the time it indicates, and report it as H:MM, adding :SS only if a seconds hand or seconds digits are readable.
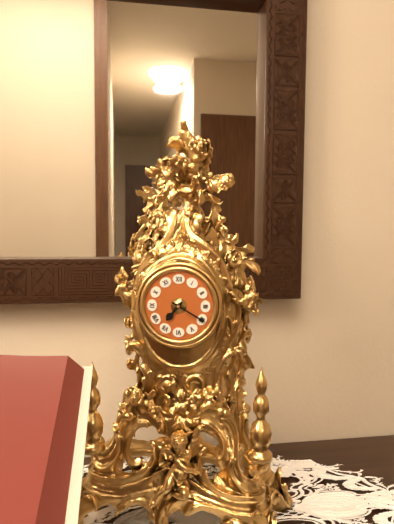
7:20
